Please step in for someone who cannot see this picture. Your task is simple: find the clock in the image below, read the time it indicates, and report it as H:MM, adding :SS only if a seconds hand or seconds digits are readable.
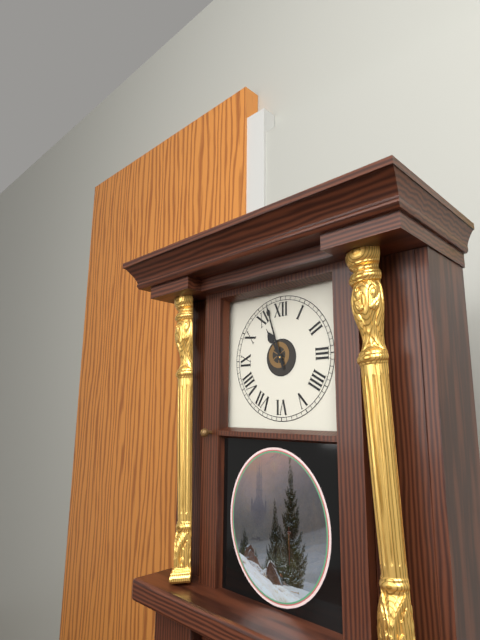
10:57
